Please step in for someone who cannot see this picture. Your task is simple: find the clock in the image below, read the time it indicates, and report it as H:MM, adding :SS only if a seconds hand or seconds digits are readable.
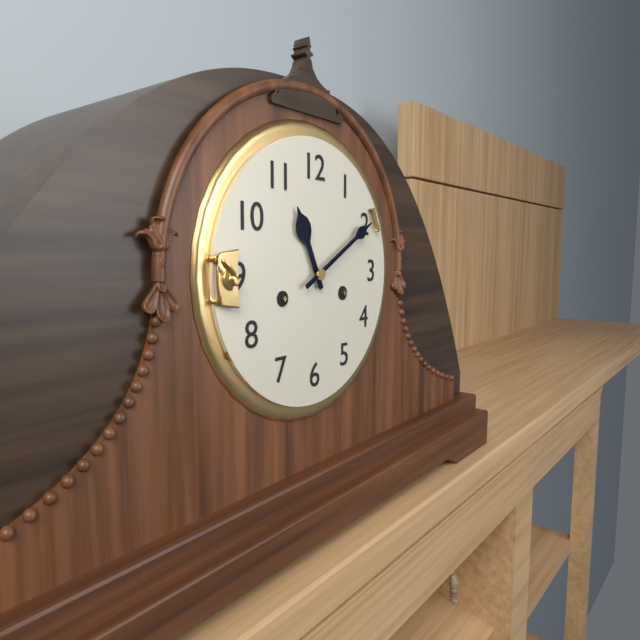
11:10
